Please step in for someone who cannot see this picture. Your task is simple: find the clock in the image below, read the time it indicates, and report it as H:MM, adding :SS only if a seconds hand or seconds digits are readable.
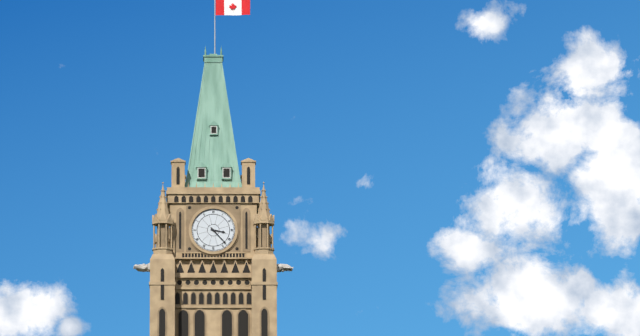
3:23
